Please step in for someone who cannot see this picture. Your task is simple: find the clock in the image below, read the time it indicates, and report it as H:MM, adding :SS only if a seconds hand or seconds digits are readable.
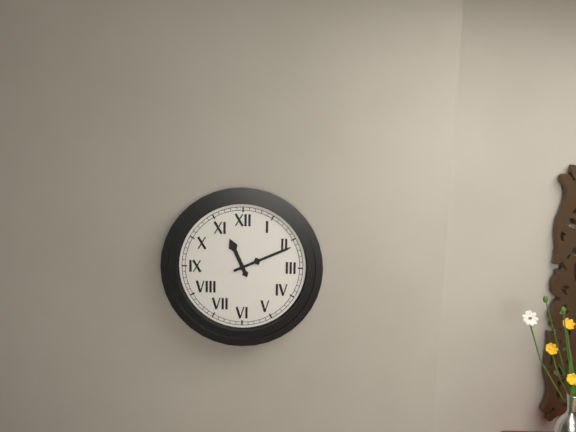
11:11
